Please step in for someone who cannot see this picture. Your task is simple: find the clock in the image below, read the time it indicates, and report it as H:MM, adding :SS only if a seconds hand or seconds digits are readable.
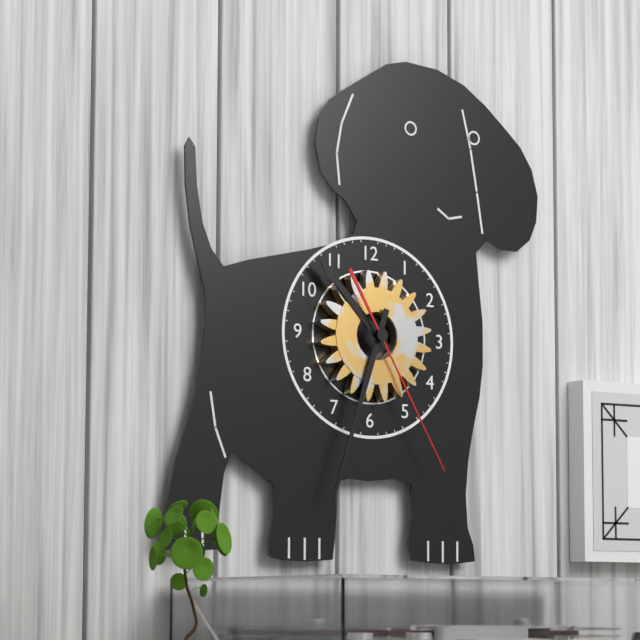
10:33:25
